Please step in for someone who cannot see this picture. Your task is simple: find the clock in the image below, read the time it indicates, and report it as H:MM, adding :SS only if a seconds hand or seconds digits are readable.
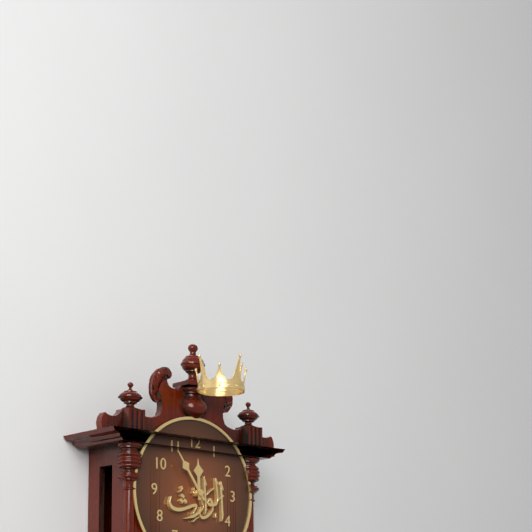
11:54
